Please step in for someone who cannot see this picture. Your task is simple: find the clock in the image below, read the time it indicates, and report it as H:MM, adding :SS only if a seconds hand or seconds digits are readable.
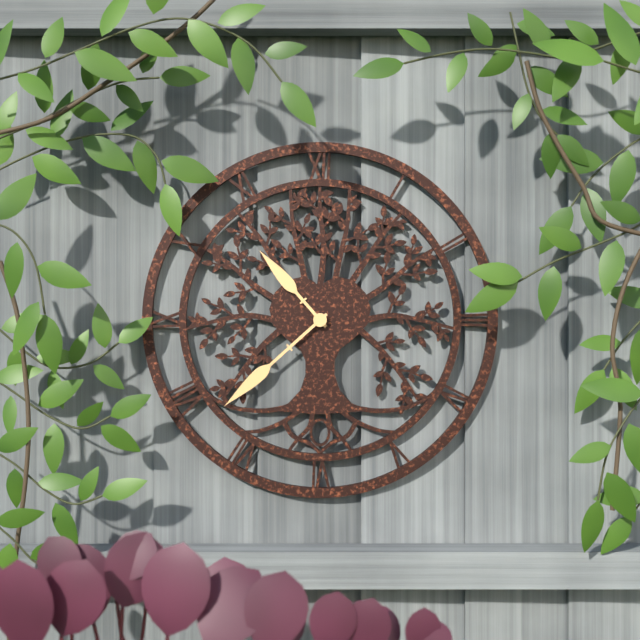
10:38
